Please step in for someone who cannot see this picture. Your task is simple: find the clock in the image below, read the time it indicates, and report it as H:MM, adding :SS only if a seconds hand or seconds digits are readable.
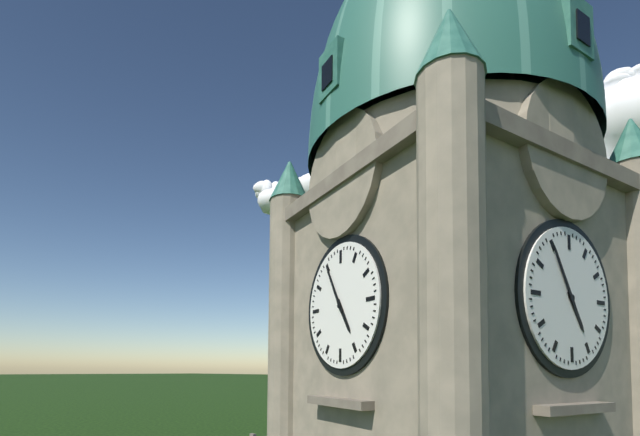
4:55
